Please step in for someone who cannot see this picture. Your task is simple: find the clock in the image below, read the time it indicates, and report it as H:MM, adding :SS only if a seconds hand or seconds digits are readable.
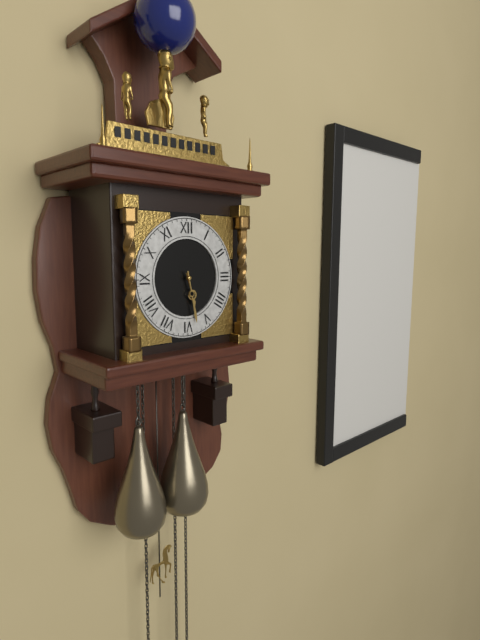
5:28
